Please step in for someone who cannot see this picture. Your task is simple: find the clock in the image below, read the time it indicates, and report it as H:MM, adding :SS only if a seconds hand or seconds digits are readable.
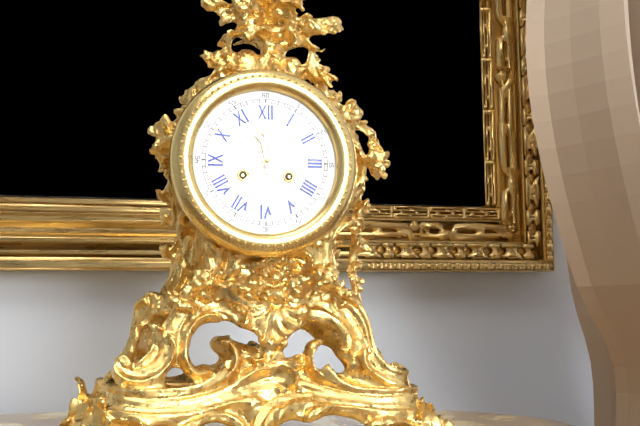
11:38
